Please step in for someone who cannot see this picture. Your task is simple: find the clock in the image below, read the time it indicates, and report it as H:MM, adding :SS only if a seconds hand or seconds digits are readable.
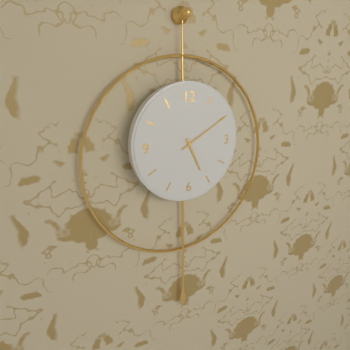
5:10
